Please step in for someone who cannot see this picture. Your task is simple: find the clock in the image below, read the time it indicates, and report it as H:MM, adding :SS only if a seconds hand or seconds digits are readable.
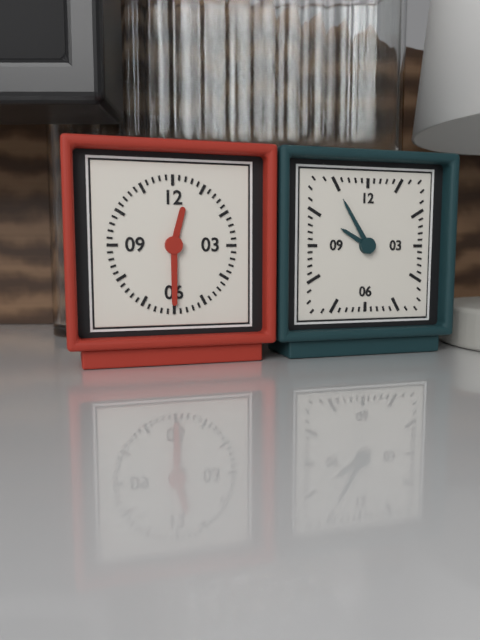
12:30
